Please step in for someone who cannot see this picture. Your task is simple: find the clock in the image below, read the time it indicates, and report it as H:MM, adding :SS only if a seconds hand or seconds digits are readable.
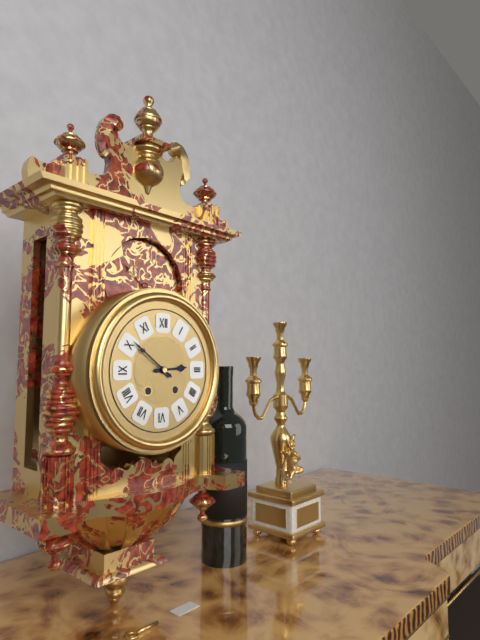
2:51
